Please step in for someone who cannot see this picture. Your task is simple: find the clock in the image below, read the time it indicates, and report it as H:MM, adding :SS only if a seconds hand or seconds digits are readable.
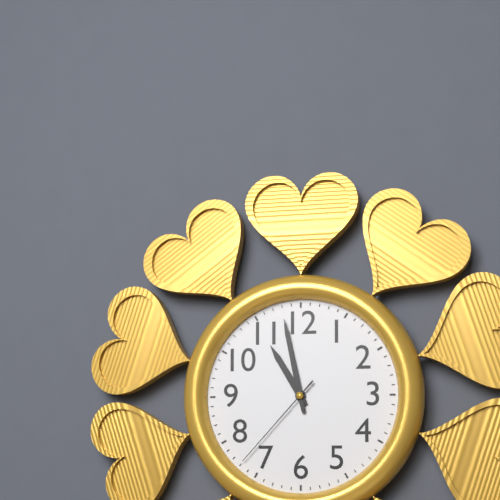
10:58:37
